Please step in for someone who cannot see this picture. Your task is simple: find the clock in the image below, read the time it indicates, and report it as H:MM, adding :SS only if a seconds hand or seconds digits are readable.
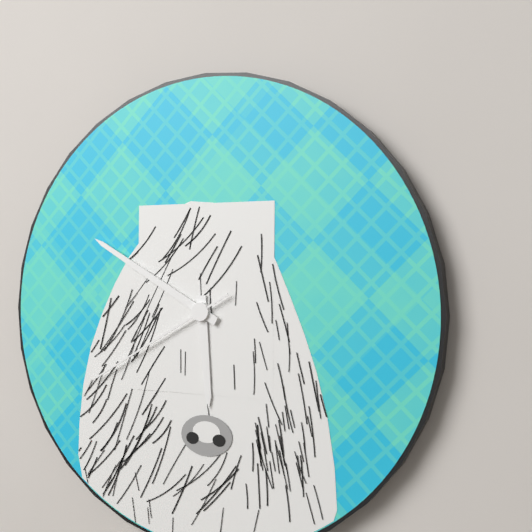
5:50:40
